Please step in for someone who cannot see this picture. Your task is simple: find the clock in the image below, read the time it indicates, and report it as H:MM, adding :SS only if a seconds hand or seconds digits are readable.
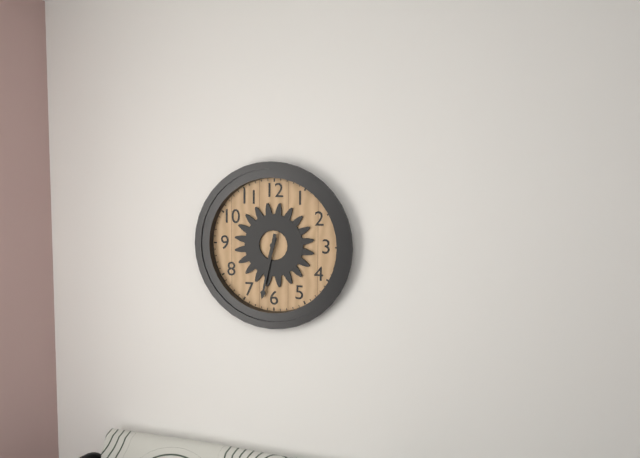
6:32
